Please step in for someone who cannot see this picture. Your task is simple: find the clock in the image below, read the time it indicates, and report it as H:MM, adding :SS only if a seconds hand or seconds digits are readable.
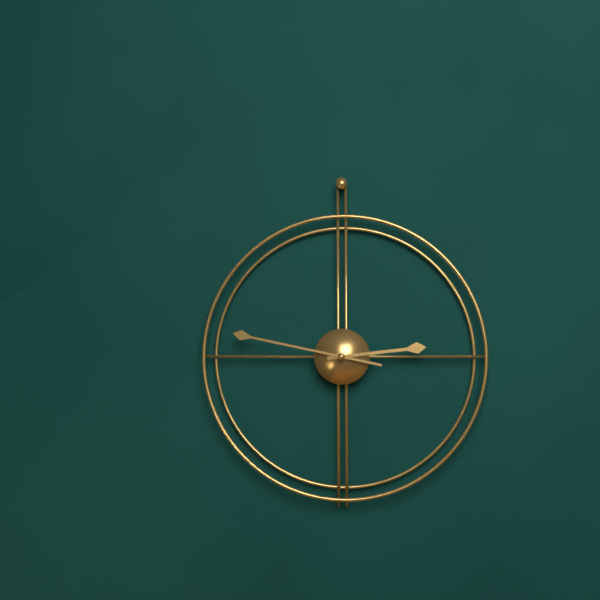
2:47
